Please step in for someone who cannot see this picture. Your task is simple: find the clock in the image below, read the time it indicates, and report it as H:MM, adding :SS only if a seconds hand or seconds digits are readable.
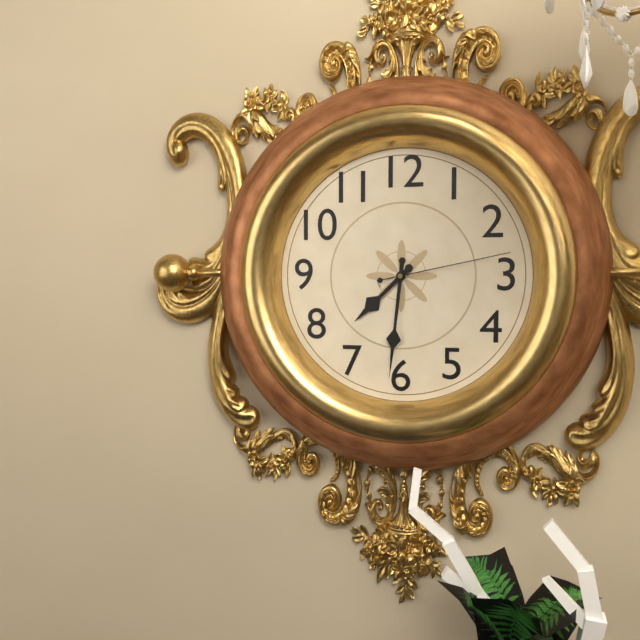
7:31:13
